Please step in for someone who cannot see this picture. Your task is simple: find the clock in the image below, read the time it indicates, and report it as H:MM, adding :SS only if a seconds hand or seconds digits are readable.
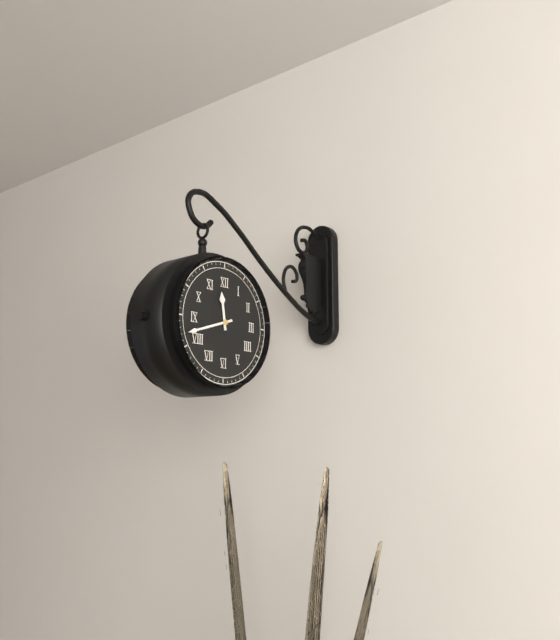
11:42
